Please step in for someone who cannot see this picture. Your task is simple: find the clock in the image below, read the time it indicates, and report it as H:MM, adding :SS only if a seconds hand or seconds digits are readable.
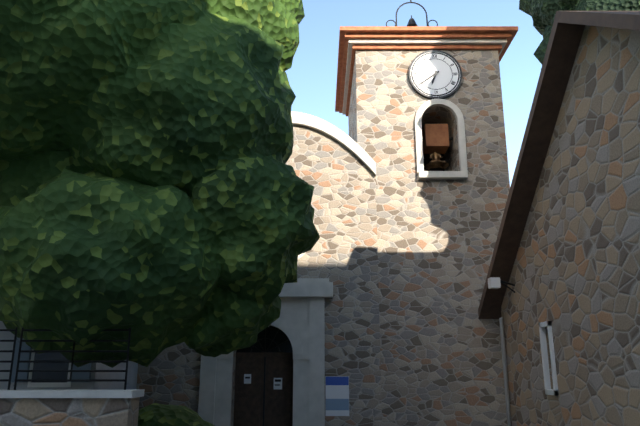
6:39
